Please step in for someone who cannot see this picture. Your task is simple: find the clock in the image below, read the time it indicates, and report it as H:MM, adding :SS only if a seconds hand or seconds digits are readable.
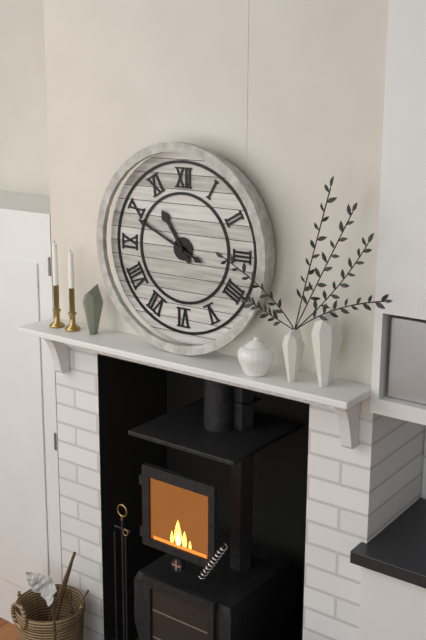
10:49
